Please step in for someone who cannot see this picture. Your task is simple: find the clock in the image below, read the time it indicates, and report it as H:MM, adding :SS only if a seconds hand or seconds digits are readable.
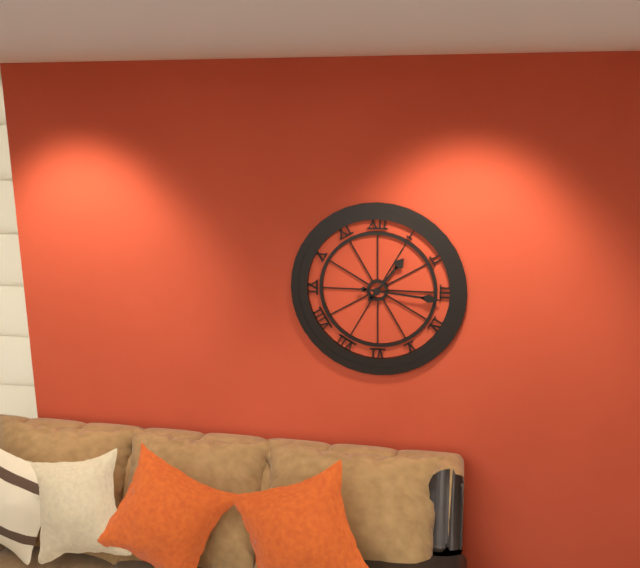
1:16
